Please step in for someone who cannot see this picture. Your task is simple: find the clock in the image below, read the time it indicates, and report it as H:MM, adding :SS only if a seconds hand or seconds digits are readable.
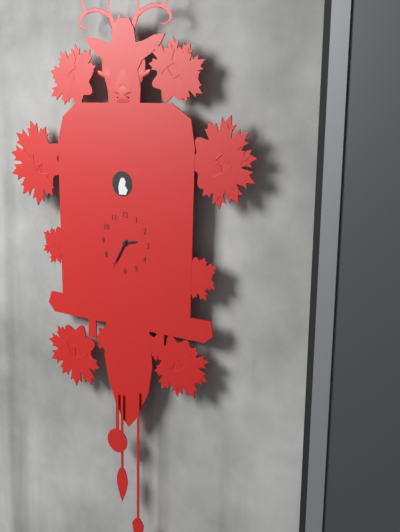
2:35
